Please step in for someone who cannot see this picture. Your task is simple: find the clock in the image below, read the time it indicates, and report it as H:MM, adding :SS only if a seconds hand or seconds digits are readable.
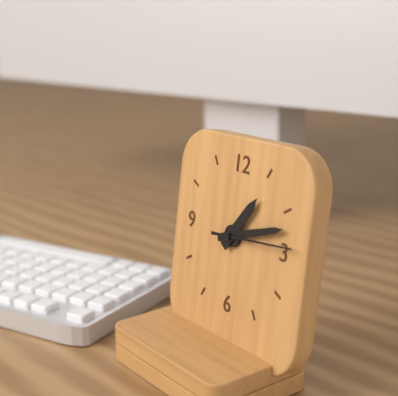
1:12:14
